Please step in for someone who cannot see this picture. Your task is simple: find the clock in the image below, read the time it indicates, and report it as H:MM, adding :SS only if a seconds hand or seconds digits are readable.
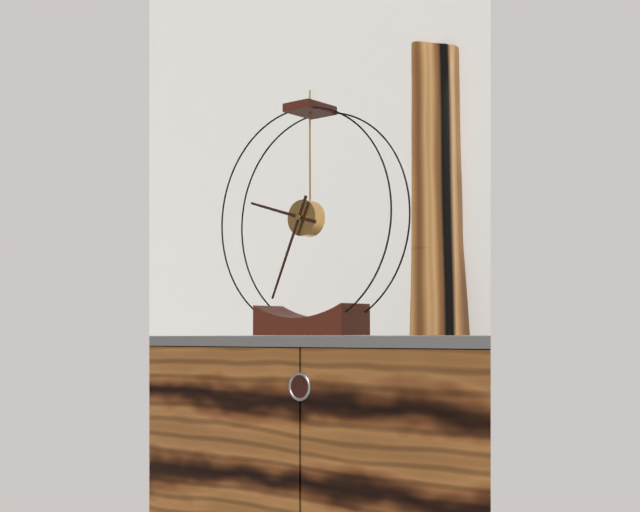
9:34
